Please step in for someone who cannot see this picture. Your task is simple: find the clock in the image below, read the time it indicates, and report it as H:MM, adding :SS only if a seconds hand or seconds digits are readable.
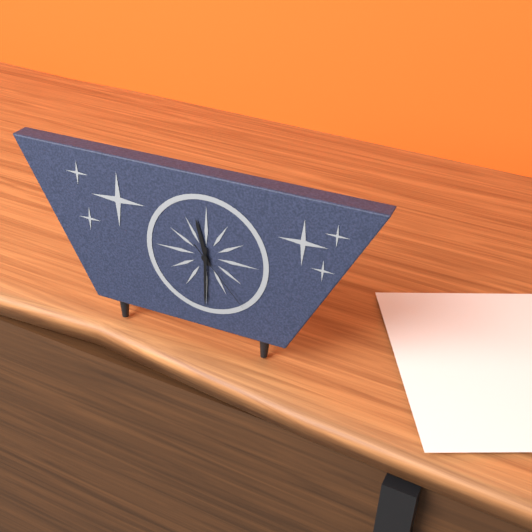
11:30:23
